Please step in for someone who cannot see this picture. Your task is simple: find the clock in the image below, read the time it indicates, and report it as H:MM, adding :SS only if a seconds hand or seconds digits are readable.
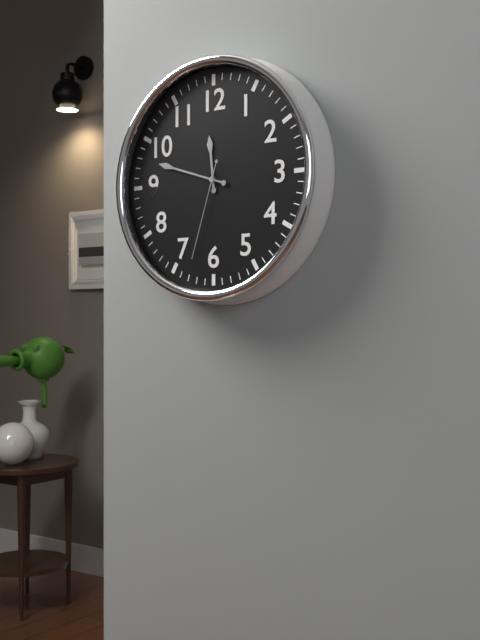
11:48:33
